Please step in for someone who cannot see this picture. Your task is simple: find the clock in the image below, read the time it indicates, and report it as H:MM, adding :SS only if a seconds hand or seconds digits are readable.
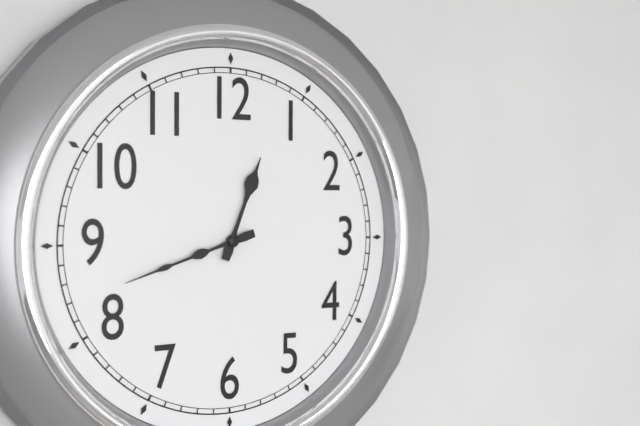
12:42
